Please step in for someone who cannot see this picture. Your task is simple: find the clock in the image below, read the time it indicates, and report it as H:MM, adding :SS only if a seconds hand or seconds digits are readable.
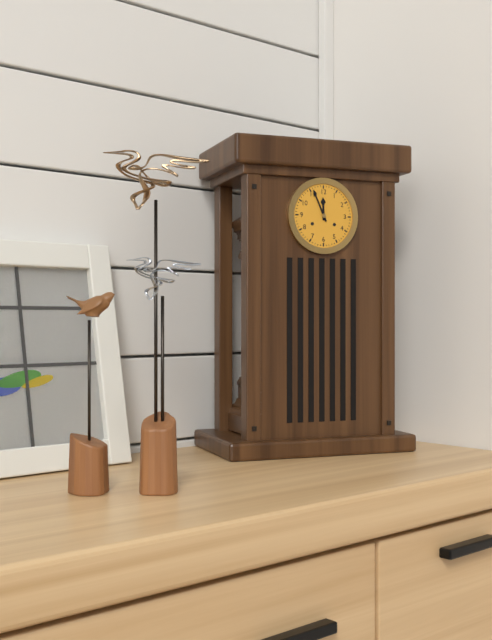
11:56
